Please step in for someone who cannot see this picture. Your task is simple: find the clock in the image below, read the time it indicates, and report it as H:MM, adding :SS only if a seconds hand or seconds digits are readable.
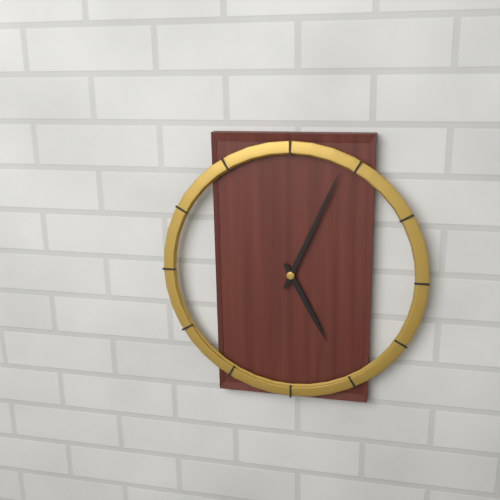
5:04
